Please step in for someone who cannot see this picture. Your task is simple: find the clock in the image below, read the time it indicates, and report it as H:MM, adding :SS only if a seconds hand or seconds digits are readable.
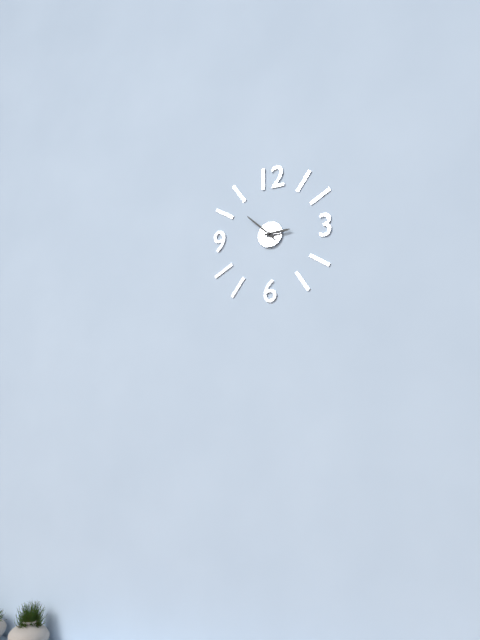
2:52
